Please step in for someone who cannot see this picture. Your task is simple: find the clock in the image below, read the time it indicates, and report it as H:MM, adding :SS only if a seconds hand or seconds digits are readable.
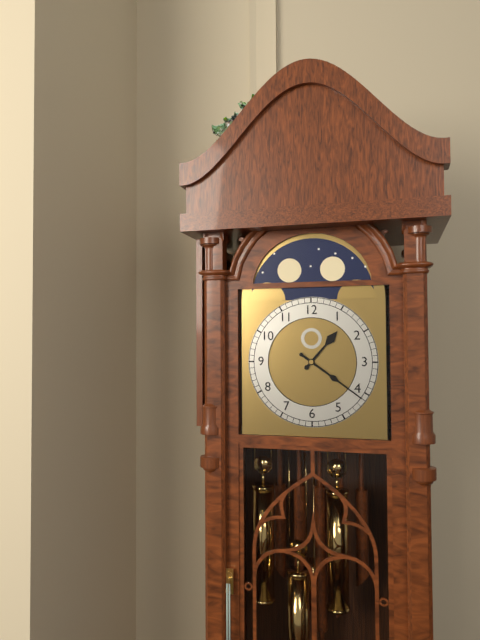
1:21
